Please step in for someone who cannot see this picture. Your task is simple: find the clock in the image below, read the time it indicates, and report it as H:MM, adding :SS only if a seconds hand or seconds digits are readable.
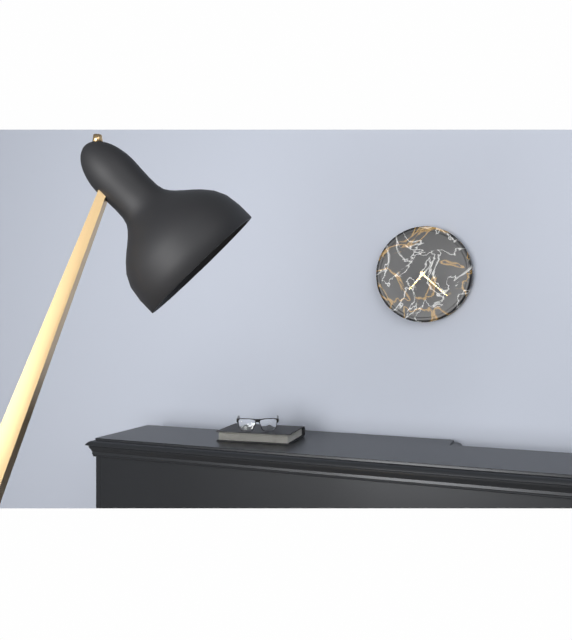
7:22
